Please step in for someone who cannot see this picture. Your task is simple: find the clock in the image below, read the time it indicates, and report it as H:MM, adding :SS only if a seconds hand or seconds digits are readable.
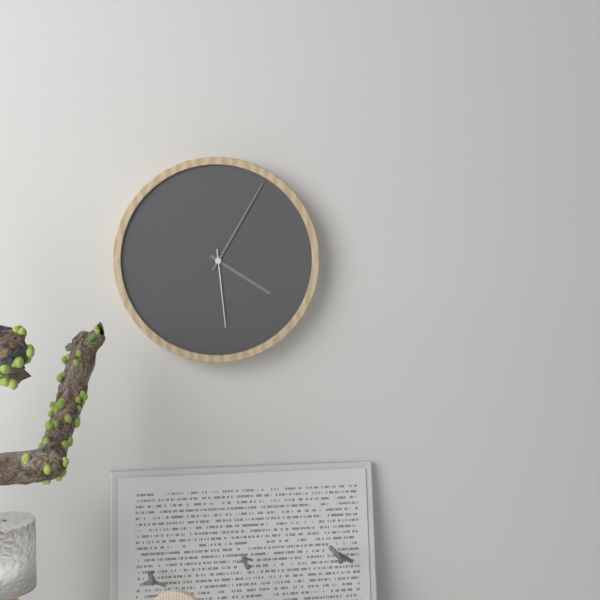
4:05:29
